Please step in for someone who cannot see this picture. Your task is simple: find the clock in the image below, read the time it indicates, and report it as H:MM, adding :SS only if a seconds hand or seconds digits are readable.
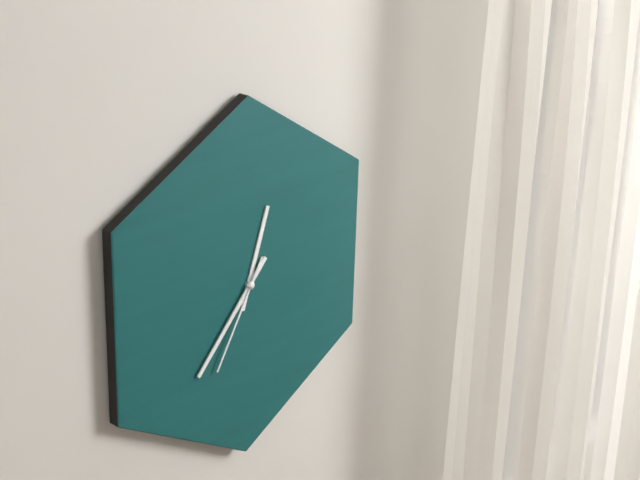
12:37:35
